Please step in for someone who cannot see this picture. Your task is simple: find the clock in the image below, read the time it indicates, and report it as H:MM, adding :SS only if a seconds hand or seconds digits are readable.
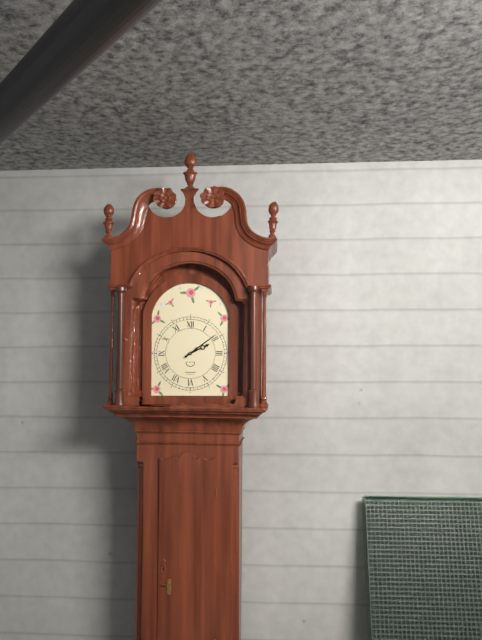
2:09
